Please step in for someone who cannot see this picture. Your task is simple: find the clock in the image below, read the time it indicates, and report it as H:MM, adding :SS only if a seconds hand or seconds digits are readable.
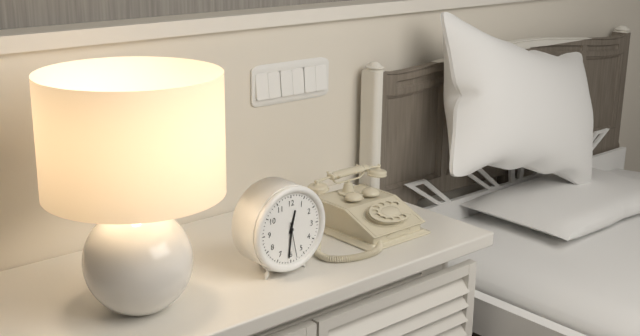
12:31
